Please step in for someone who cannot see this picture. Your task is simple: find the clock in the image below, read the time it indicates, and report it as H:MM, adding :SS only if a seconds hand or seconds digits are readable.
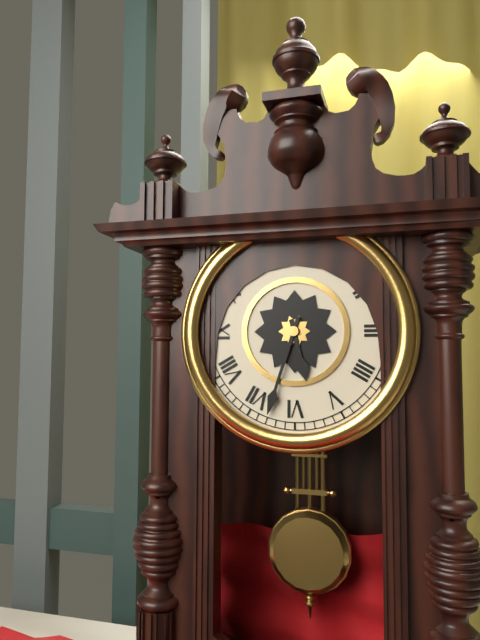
5:33
